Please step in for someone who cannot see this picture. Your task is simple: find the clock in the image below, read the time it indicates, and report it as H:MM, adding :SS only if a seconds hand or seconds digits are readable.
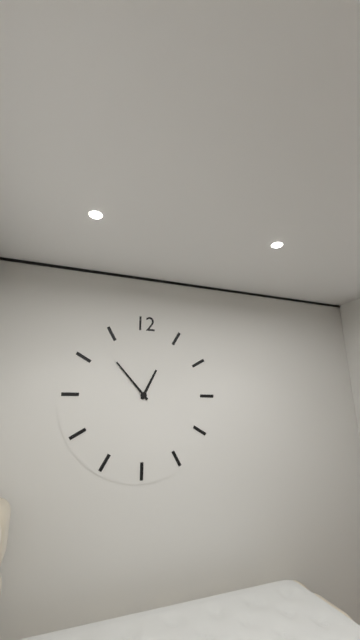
12:53
